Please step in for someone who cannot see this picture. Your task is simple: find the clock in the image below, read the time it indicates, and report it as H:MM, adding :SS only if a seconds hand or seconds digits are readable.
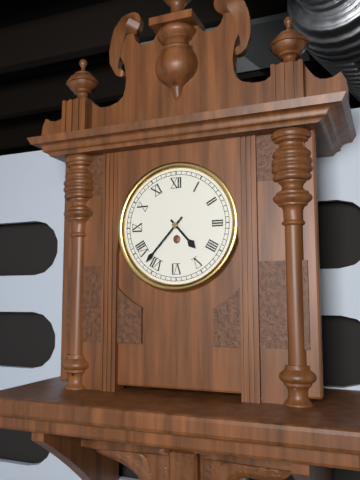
4:37
